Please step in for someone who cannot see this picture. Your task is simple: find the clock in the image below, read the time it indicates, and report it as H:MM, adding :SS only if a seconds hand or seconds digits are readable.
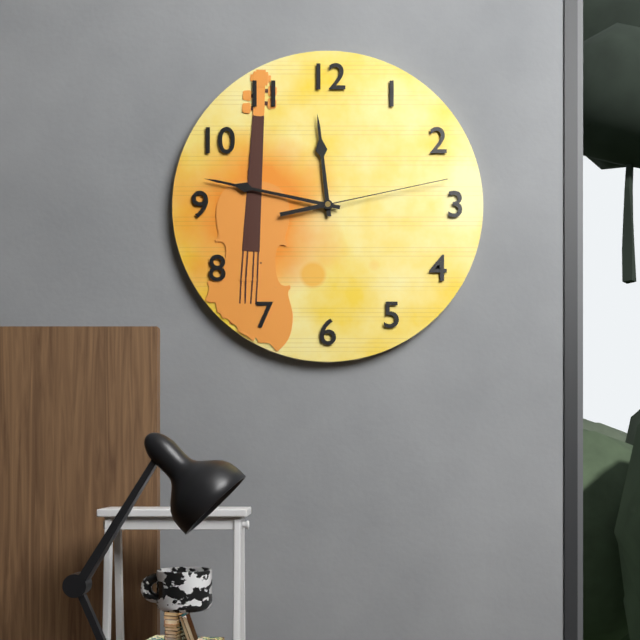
11:47:13
